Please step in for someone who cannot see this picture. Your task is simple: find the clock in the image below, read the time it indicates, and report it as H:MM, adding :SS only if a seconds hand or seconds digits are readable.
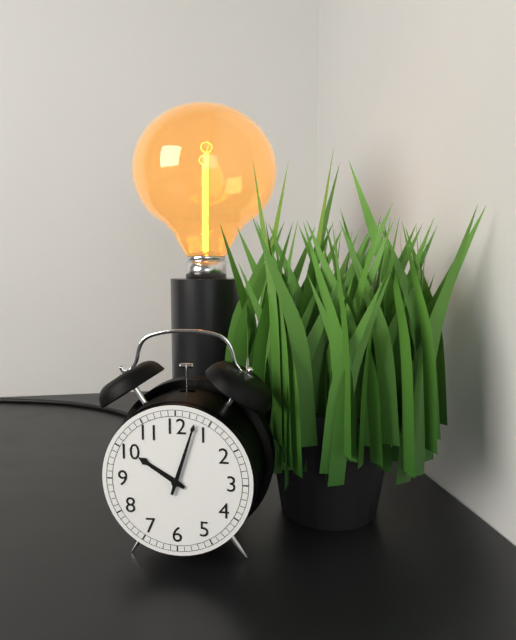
10:03
